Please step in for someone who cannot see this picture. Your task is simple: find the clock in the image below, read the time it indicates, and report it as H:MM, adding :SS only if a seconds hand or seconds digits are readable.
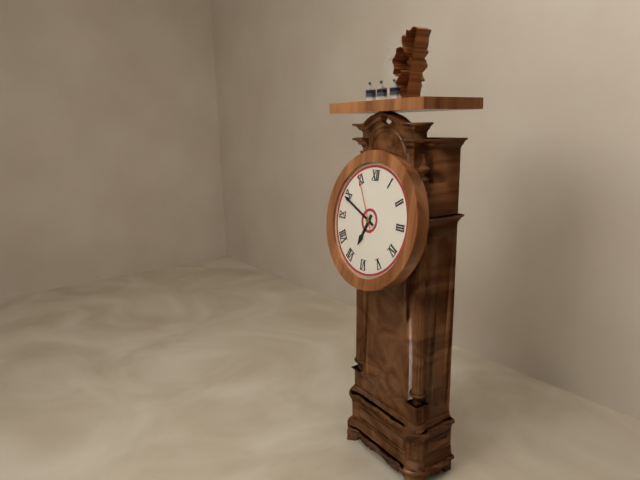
6:49:55
